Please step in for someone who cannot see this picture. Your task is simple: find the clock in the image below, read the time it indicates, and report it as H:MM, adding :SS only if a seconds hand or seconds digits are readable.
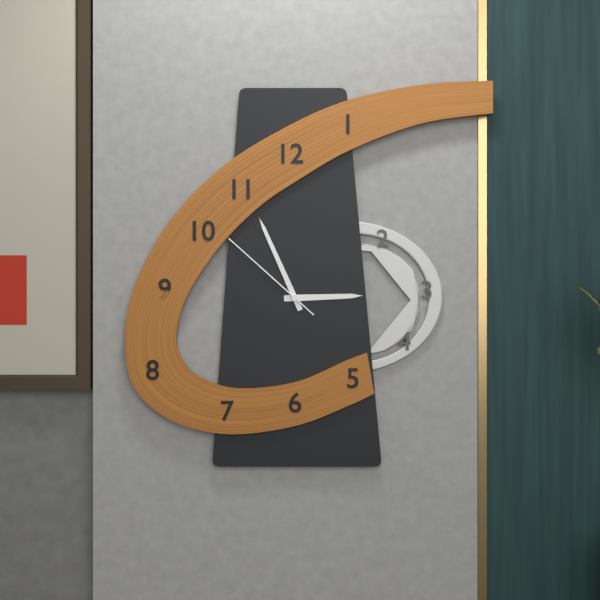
2:56:52
